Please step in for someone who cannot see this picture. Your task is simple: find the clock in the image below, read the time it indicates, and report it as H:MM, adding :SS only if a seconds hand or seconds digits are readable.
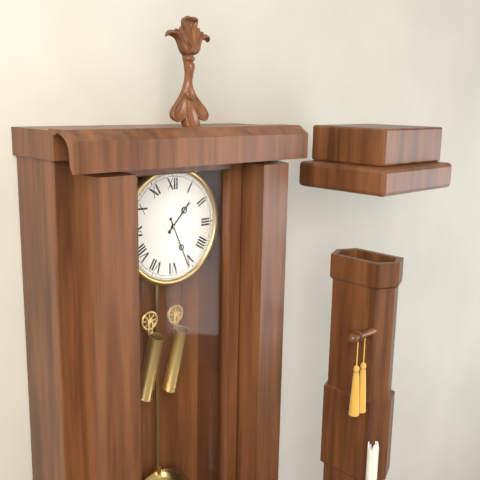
1:26
